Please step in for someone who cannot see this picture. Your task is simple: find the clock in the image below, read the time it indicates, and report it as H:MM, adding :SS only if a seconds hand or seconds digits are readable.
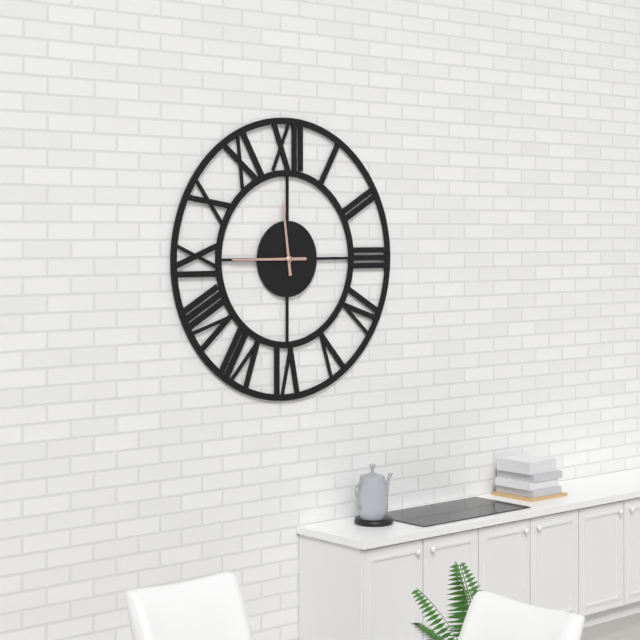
11:45
